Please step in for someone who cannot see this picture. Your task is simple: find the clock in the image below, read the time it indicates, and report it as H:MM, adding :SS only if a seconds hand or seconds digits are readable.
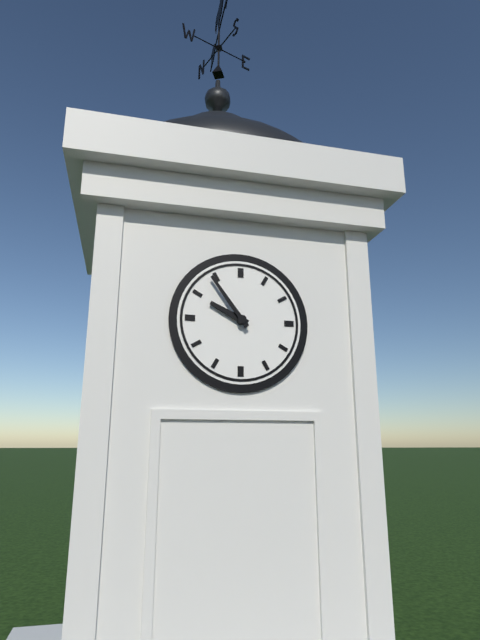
9:54
